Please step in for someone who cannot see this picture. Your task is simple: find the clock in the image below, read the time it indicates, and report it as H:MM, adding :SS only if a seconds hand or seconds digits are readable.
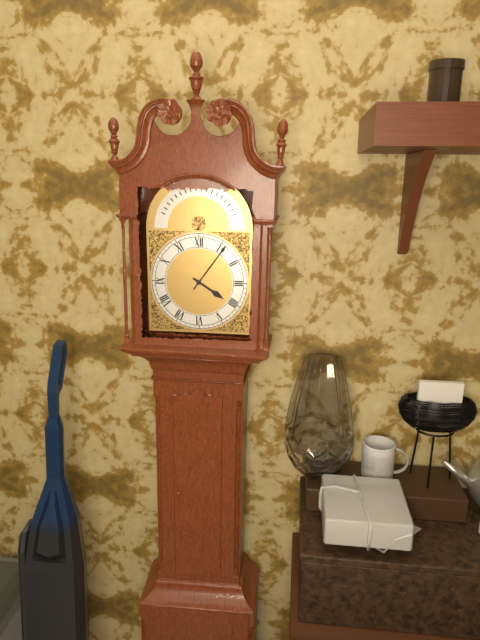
4:06
